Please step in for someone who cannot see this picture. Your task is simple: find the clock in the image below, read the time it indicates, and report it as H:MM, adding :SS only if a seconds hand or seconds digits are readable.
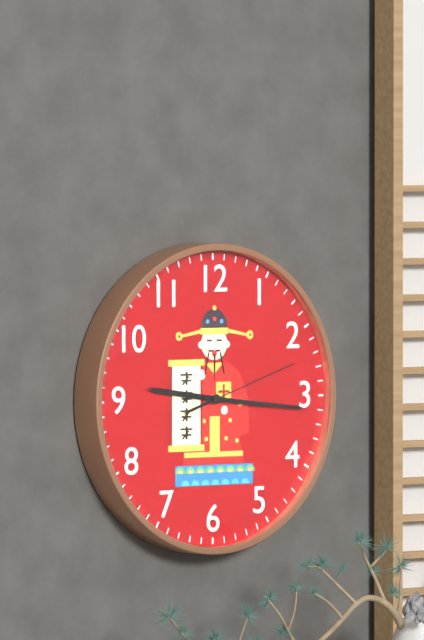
9:16:12
